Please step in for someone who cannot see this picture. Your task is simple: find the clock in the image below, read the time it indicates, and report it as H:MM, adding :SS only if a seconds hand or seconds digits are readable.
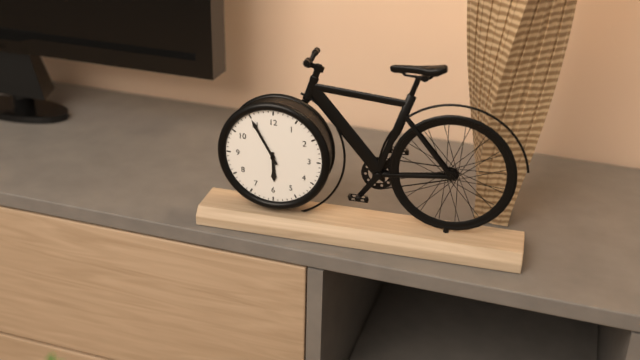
5:55
